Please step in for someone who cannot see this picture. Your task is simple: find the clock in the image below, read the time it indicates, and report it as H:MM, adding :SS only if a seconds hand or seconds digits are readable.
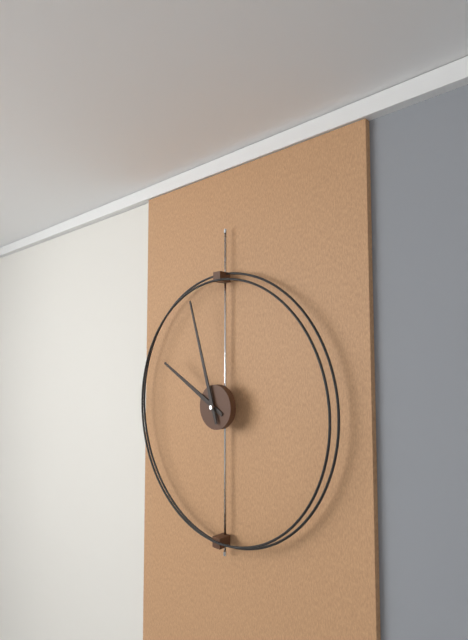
9:57
